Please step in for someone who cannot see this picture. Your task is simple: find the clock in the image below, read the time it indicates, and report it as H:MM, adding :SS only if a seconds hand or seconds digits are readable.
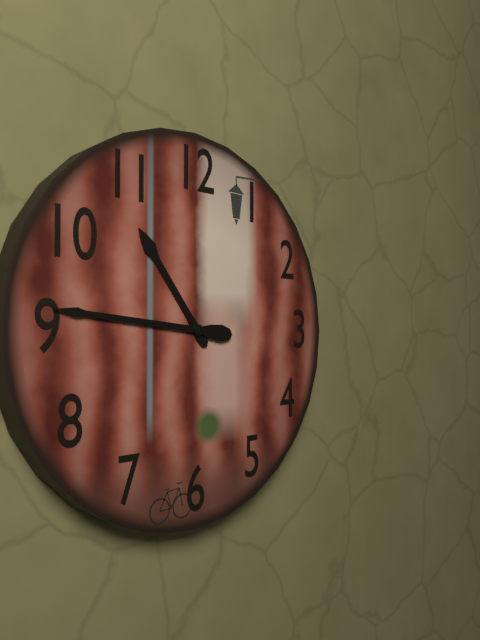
10:46
